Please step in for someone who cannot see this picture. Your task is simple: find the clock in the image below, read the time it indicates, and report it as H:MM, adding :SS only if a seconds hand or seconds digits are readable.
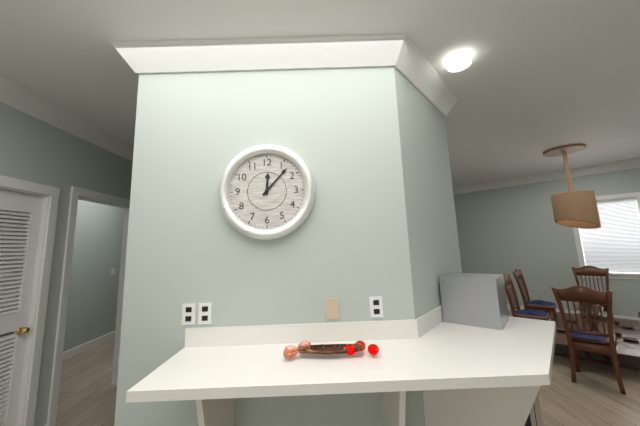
12:07
